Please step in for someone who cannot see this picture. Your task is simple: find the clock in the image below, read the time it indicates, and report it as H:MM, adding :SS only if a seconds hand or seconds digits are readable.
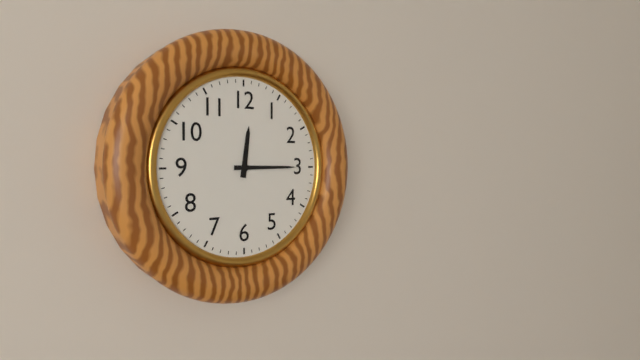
12:15
